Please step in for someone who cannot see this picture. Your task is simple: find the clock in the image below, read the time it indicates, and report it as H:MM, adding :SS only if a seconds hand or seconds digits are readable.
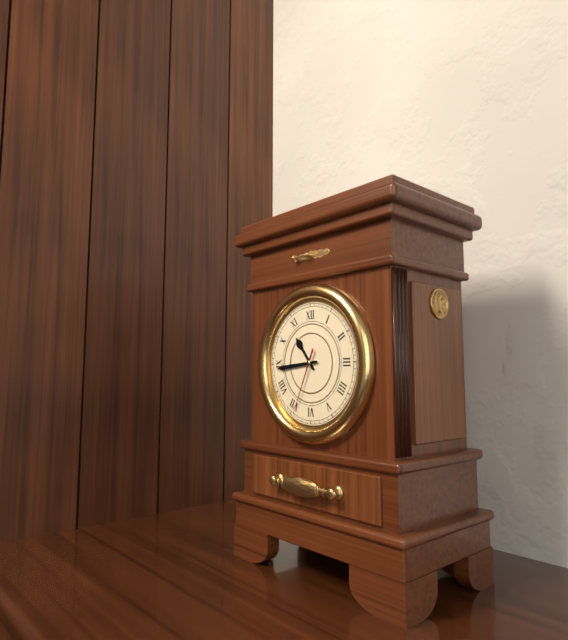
10:44:34
